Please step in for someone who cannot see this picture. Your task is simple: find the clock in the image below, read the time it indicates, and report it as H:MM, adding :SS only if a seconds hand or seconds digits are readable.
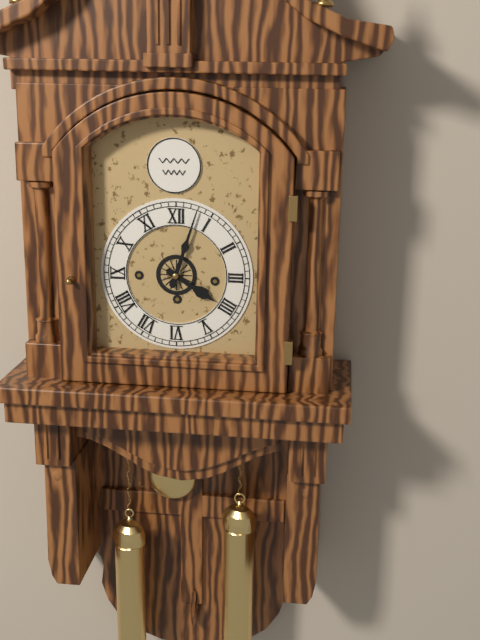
4:03
